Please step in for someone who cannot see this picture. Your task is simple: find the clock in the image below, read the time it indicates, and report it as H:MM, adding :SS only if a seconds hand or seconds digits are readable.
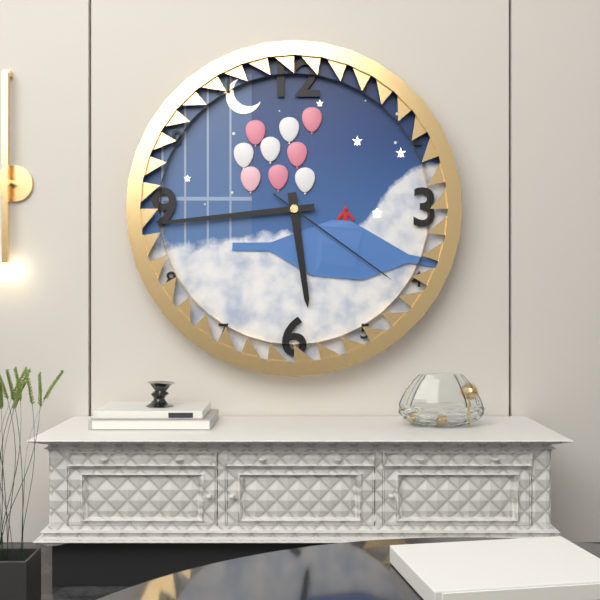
5:44:21
